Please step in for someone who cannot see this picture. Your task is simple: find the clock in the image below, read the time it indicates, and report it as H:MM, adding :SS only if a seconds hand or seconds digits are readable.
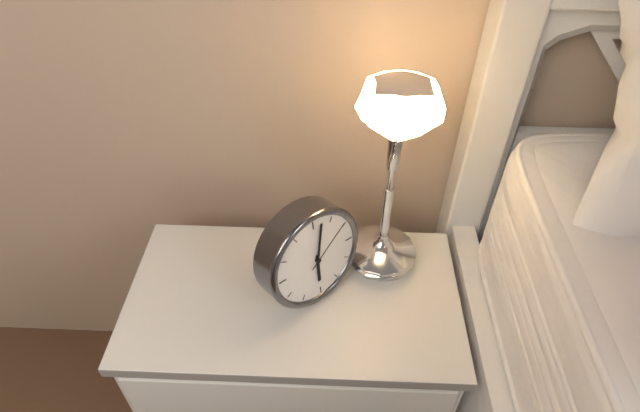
6:02:09
